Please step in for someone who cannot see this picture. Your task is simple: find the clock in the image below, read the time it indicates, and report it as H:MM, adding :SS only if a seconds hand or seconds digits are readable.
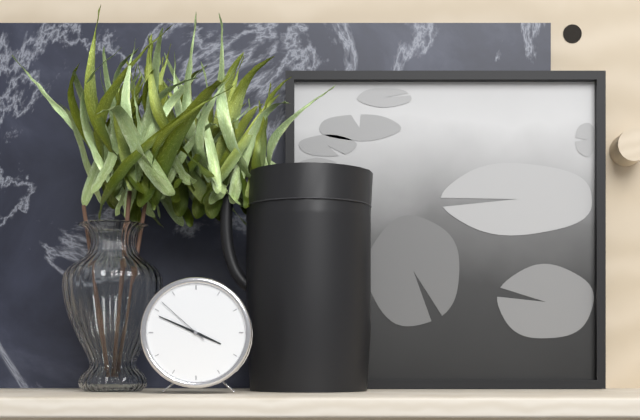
3:49:52
